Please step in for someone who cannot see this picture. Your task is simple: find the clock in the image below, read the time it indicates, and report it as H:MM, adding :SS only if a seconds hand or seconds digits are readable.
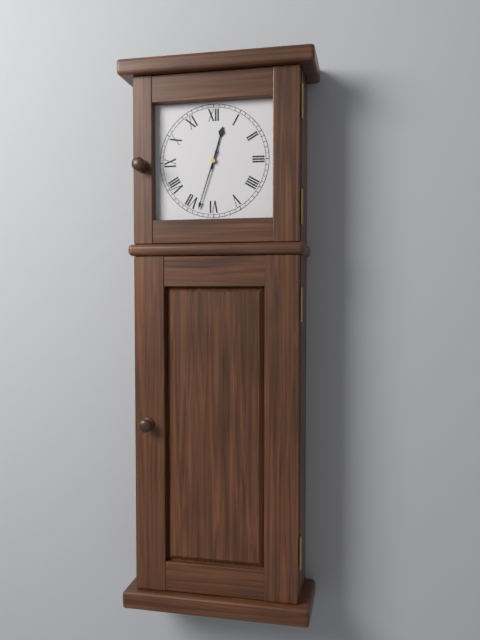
12:33
